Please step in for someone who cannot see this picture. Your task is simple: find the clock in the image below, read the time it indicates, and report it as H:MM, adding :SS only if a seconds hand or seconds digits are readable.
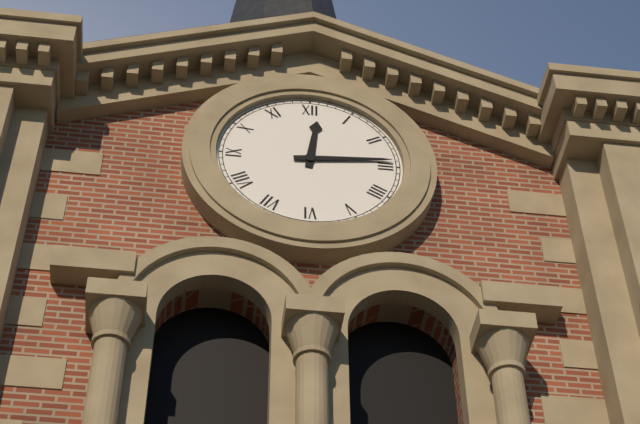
12:14
